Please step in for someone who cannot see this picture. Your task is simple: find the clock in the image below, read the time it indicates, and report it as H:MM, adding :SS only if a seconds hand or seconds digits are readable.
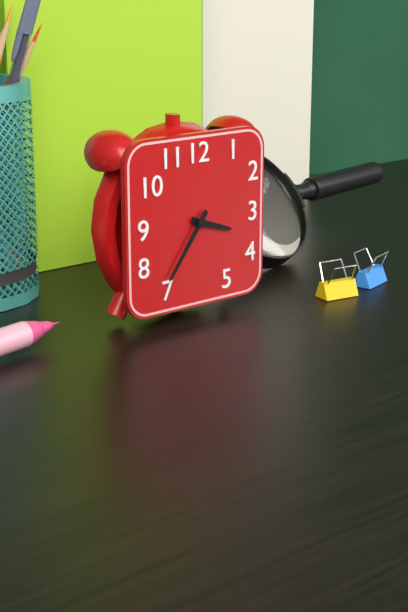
3:36
